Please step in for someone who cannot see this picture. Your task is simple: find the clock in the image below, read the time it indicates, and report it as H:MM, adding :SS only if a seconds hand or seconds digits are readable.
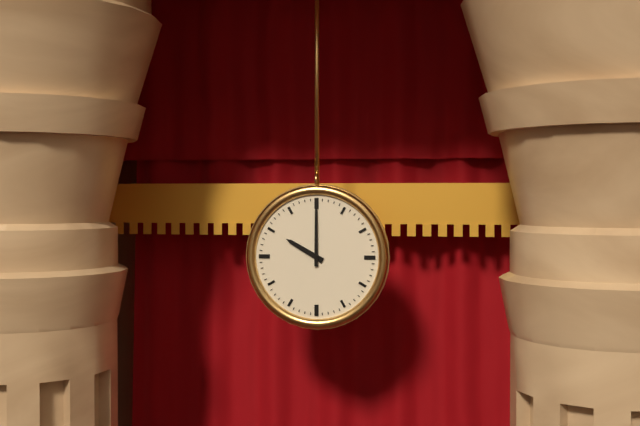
10:00
